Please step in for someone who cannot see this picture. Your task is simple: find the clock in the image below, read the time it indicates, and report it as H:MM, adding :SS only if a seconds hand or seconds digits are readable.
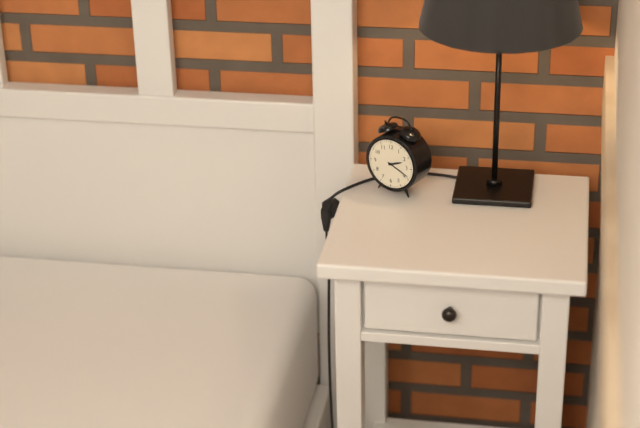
2:19
